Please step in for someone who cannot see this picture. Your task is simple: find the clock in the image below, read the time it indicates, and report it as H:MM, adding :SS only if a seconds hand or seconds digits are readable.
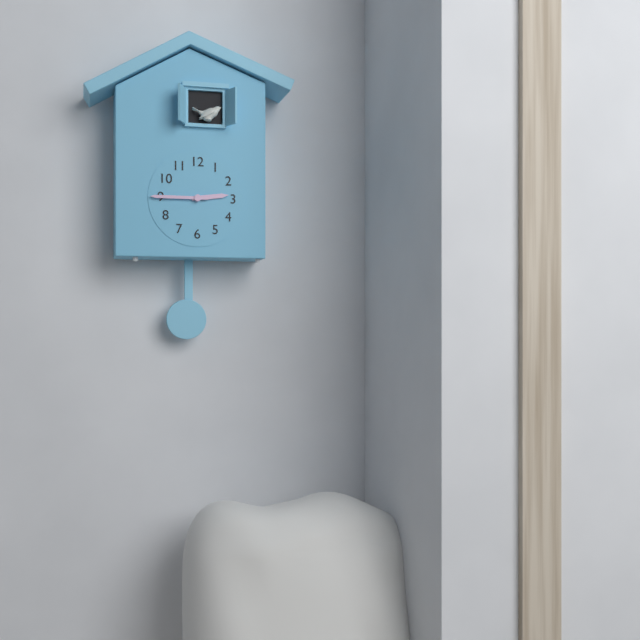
2:45
